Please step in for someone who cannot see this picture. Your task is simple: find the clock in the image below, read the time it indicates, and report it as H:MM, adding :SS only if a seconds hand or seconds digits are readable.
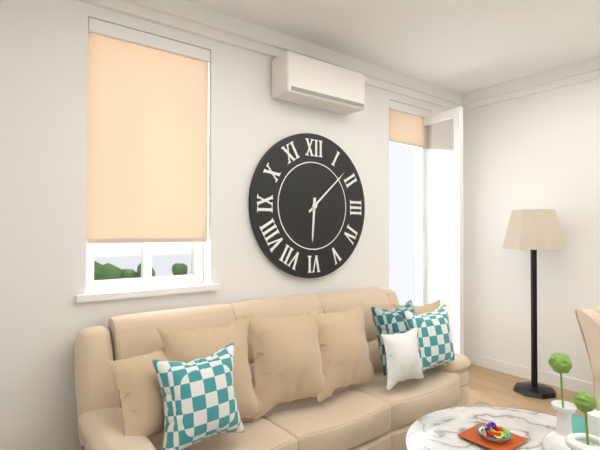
6:08
